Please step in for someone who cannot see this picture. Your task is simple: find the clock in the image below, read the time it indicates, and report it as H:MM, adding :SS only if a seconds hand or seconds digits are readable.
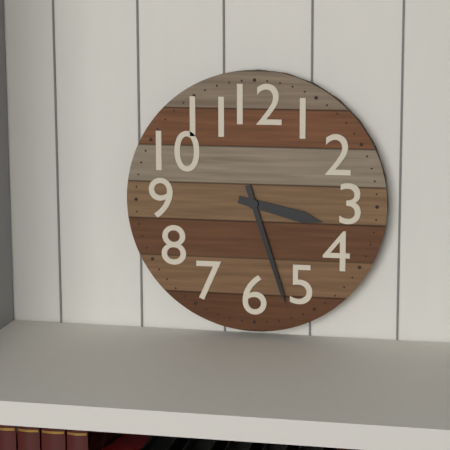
3:27
